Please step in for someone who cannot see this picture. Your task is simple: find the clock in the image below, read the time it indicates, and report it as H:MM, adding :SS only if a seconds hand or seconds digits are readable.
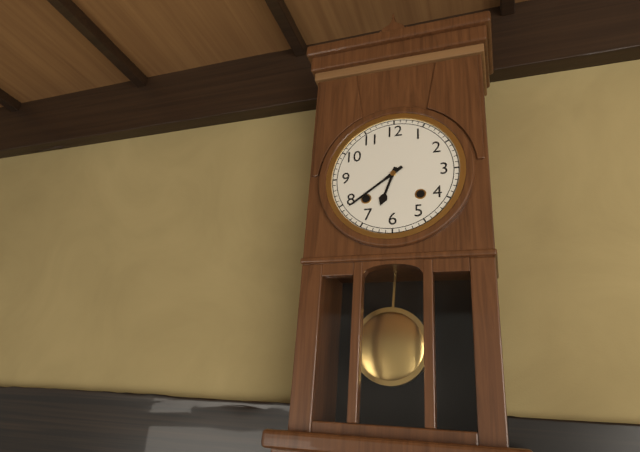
6:39
